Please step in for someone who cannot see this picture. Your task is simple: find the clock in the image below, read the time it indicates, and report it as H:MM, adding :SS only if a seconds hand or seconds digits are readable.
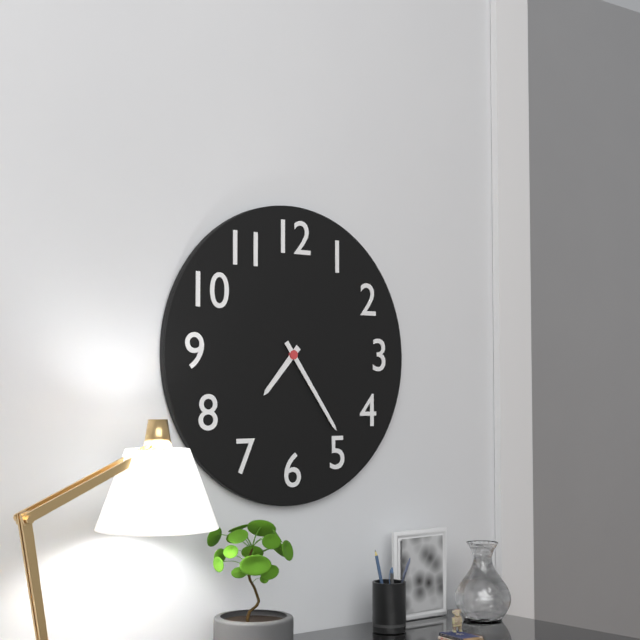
7:24
